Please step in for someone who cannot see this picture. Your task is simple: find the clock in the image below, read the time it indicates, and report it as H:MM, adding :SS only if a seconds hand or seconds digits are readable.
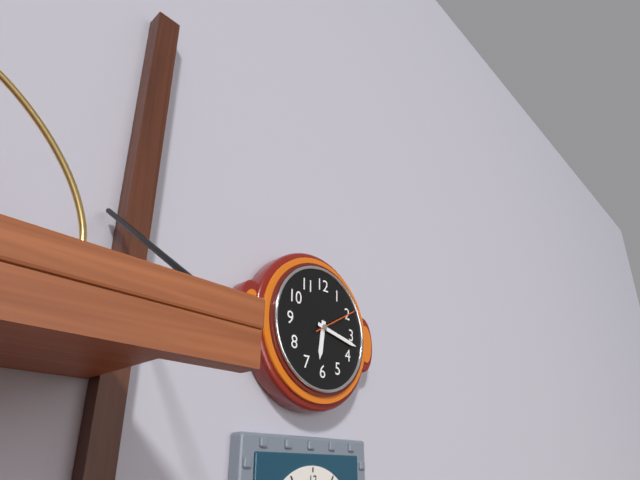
6:17
